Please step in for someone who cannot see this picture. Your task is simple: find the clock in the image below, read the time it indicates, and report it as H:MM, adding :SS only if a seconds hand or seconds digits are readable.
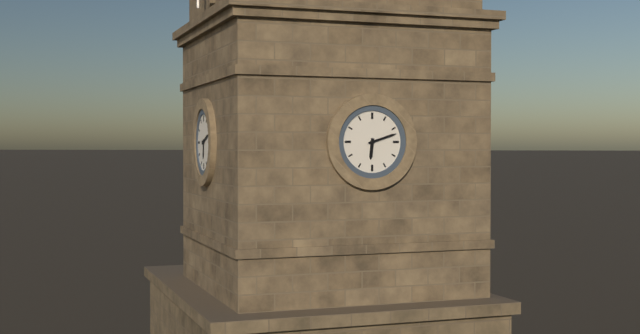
6:12
